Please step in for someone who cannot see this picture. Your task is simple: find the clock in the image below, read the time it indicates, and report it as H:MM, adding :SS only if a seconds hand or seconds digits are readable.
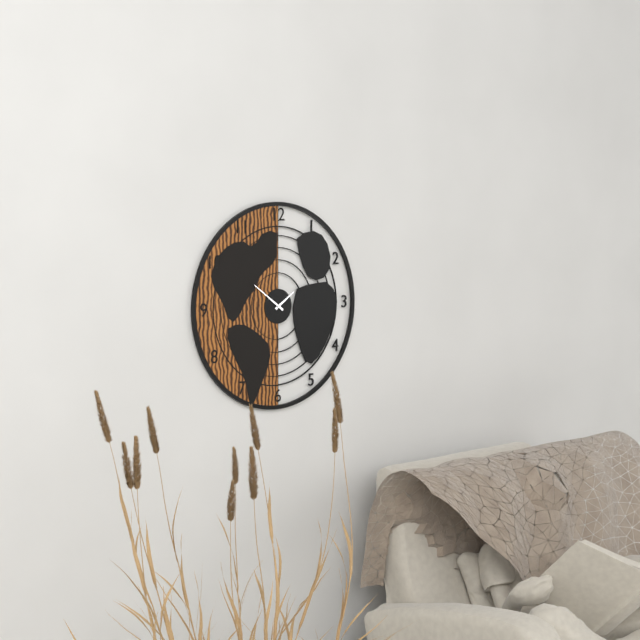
1:51
